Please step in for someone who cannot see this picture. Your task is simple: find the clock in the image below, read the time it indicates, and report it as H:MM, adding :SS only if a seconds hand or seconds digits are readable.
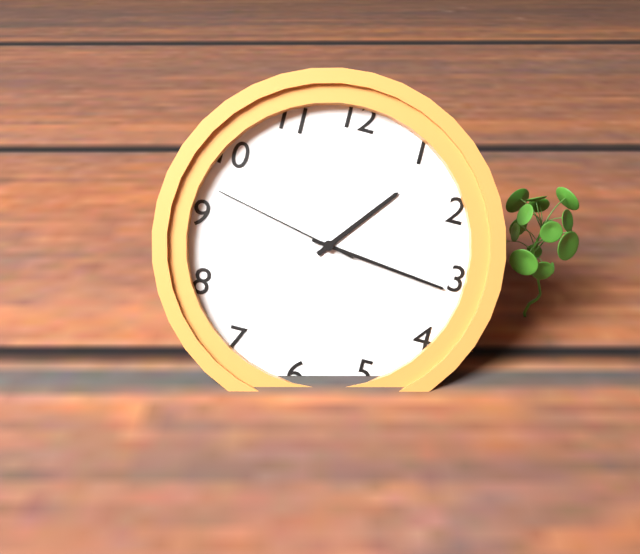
1:16:47
